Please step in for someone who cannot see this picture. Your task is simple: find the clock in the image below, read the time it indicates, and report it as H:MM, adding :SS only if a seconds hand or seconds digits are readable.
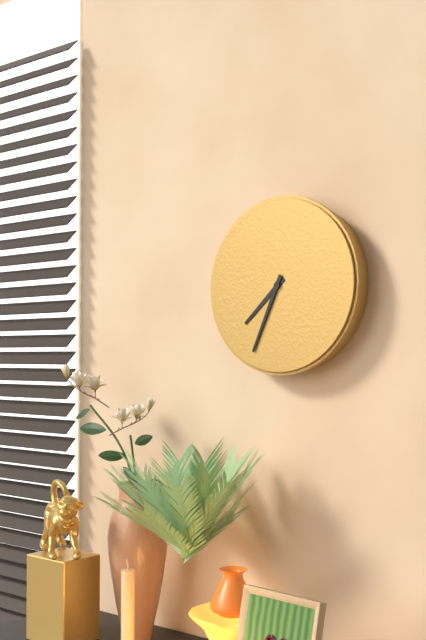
7:34
